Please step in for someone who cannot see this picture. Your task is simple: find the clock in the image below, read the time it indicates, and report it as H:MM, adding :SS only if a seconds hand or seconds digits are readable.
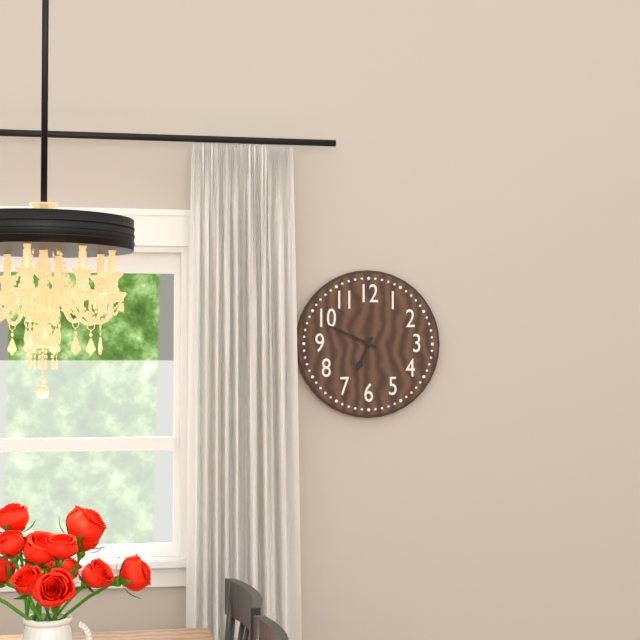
6:49
